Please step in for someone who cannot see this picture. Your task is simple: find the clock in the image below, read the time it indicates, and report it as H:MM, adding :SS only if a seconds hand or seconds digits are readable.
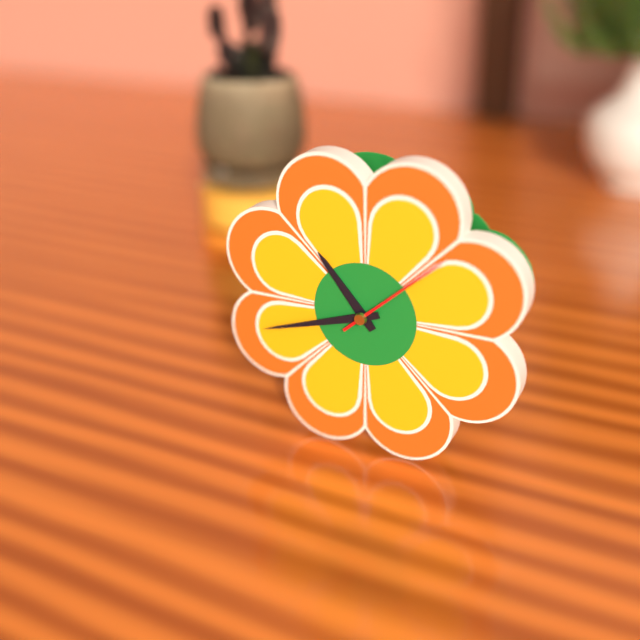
10:42:08
